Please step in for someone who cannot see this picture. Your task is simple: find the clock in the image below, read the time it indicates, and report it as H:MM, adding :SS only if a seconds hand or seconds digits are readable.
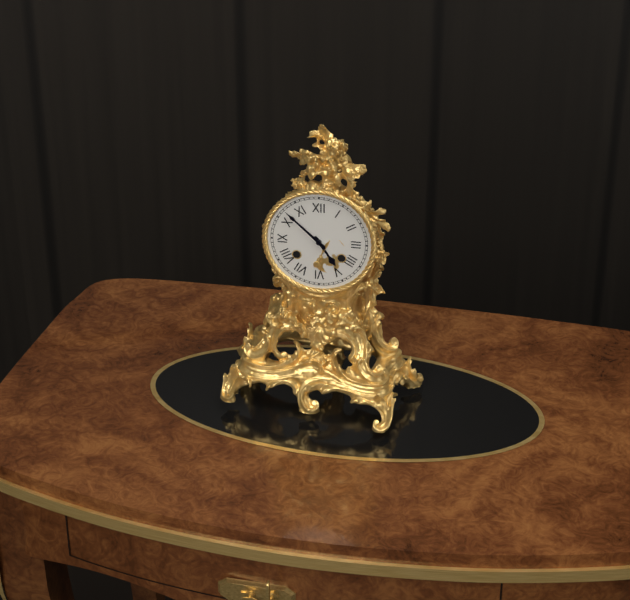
4:52
